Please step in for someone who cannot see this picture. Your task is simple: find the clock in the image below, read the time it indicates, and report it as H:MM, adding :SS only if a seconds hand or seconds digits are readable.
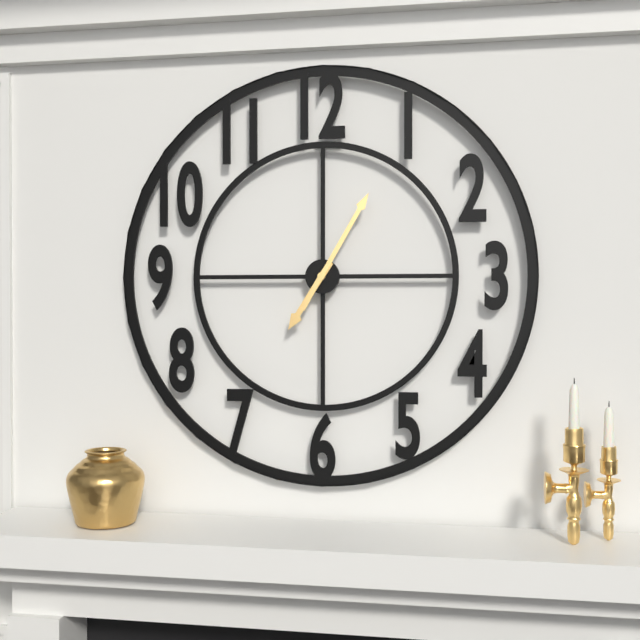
7:05
